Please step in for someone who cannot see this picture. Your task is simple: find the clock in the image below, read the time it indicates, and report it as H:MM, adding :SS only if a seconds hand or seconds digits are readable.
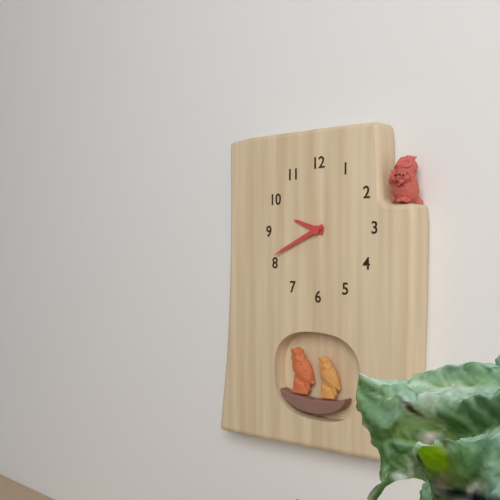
9:41
